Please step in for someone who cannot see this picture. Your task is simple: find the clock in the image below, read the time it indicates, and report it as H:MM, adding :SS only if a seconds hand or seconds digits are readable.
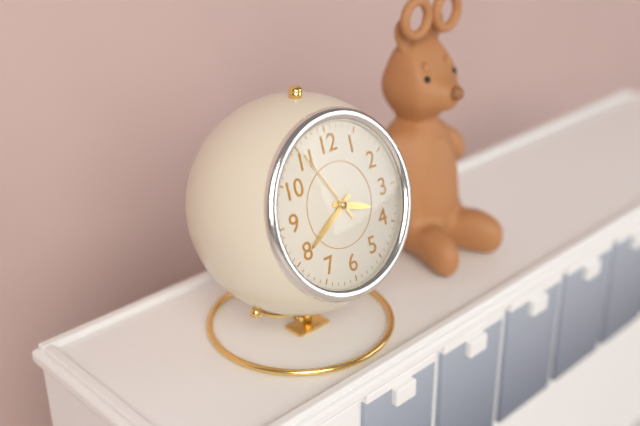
3:40:55
